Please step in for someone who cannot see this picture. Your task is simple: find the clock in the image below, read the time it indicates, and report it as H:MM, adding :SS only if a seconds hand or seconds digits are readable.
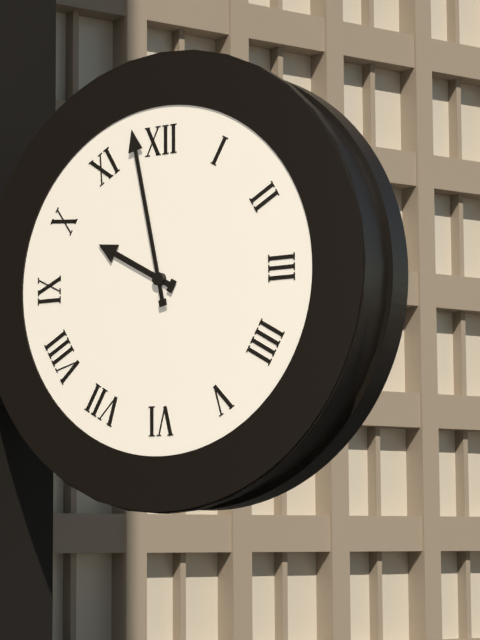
9:58
